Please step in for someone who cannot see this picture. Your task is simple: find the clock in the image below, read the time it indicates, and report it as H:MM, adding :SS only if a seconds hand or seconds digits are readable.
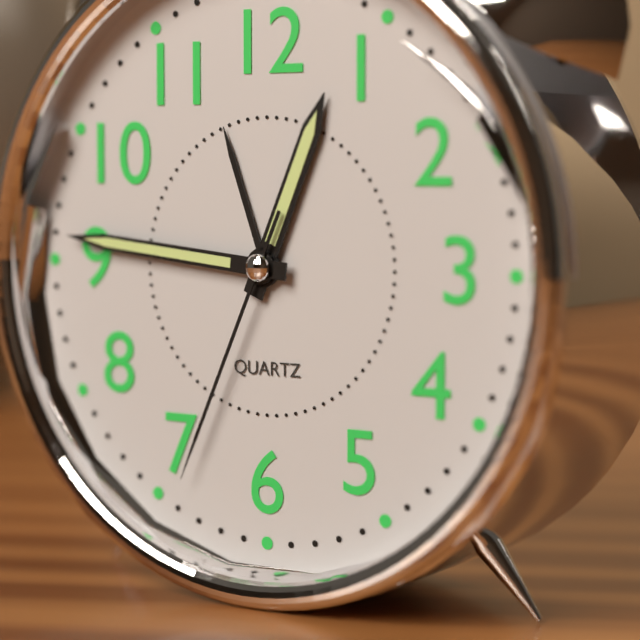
12:46:34
